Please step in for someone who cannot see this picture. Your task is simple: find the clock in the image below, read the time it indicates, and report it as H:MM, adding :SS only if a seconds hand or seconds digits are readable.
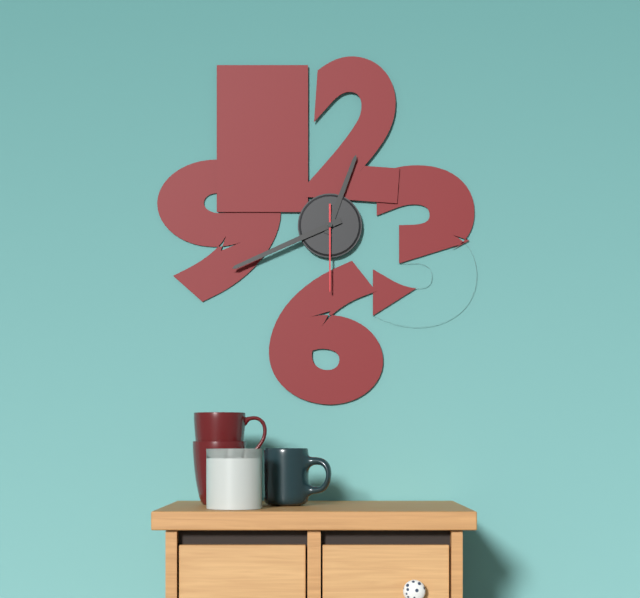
12:41:30
